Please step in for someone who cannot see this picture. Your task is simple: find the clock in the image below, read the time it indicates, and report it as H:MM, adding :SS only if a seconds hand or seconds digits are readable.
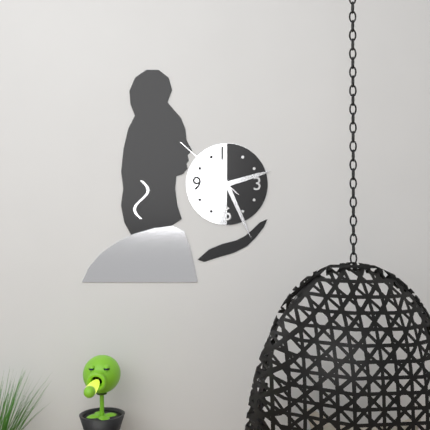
2:26:52
